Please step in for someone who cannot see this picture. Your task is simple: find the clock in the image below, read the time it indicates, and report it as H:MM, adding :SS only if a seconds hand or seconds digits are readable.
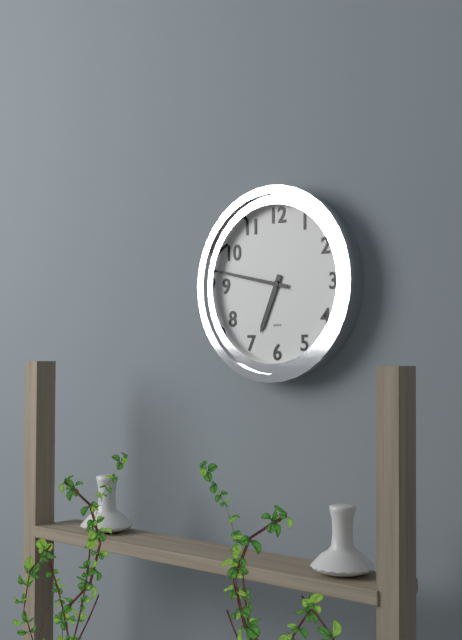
6:47
